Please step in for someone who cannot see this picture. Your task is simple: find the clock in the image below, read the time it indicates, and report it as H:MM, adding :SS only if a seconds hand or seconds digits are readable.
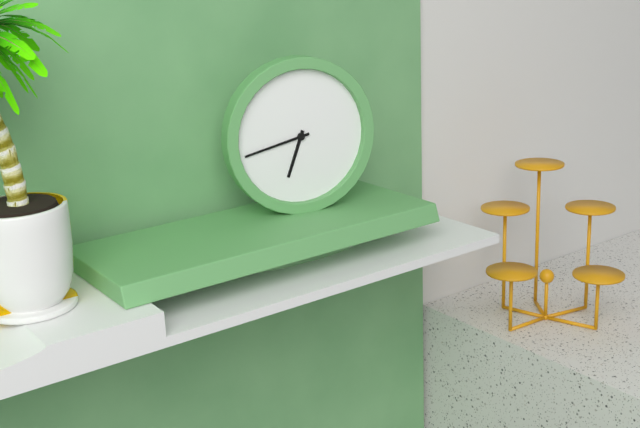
6:43
